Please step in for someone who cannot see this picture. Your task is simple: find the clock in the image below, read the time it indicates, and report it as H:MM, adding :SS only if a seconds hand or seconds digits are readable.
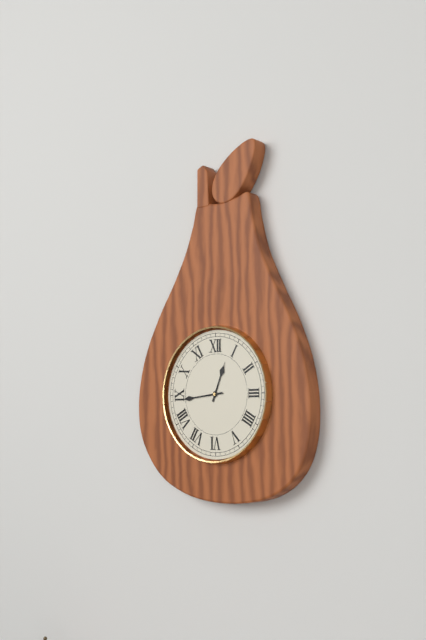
12:44
